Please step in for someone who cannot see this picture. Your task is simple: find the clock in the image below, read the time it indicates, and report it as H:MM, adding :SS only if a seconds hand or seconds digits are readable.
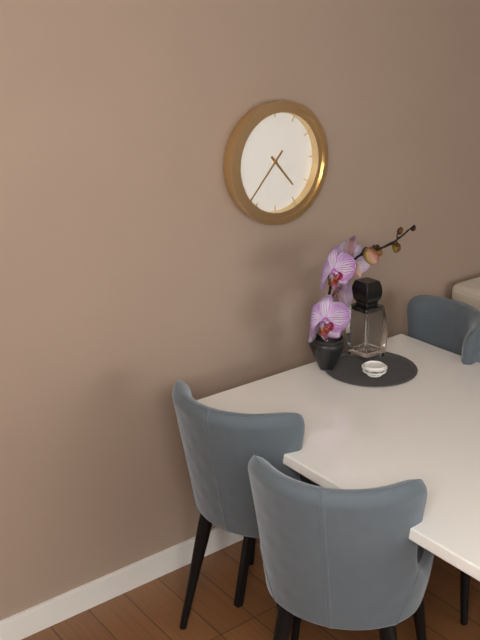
4:37
